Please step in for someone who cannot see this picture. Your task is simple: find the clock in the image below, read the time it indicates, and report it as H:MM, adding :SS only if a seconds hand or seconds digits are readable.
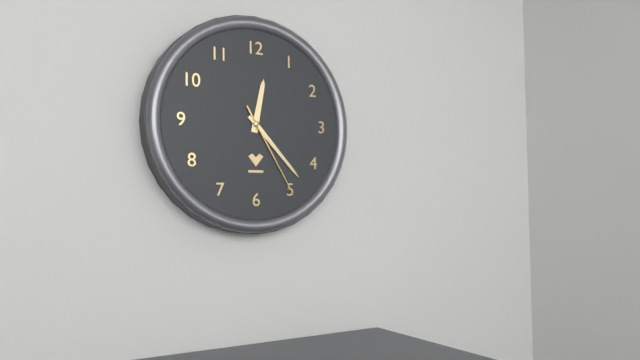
12:23:25
